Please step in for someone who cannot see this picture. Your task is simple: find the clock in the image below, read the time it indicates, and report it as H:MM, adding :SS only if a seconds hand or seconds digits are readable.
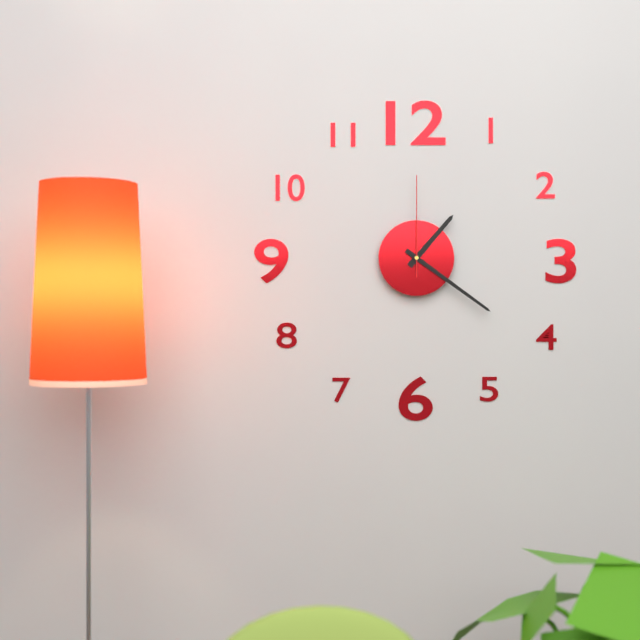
1:21:00
